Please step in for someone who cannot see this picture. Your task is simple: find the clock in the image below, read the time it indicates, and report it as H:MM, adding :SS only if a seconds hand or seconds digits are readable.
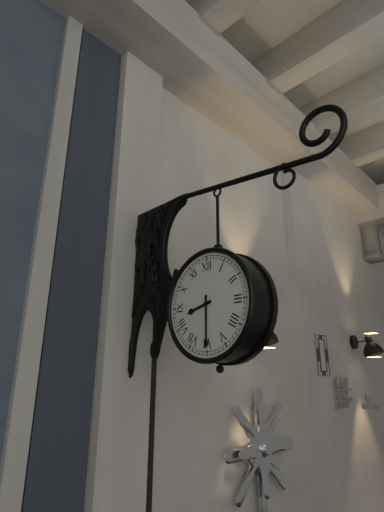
8:30
